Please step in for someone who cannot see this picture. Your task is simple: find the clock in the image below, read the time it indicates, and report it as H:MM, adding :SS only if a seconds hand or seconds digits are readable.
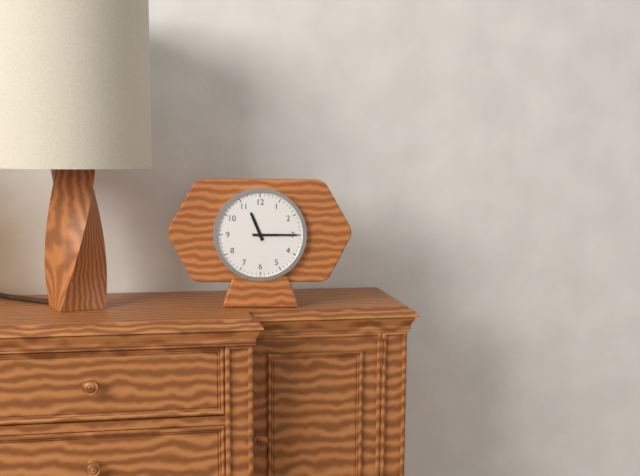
11:15
